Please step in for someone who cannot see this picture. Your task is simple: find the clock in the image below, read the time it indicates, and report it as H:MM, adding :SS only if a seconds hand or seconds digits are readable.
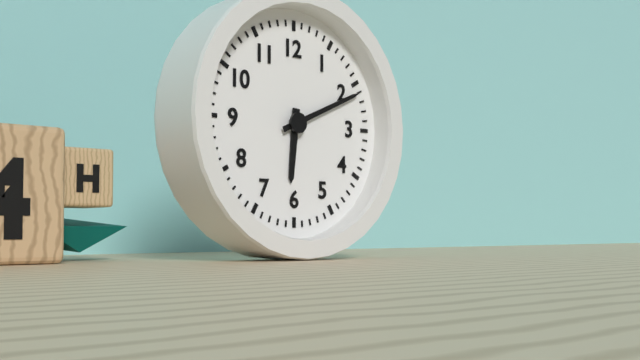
6:11
